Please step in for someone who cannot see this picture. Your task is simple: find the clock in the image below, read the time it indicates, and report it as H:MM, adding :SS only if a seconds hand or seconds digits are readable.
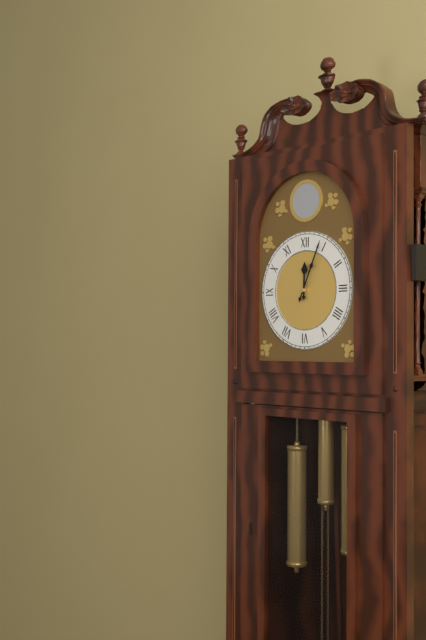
12:04
